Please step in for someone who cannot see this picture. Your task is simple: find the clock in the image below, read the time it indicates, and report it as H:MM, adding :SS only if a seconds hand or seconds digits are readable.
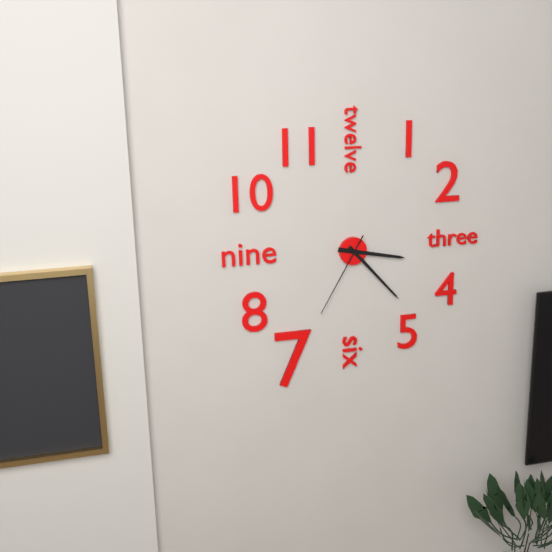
3:23:35
